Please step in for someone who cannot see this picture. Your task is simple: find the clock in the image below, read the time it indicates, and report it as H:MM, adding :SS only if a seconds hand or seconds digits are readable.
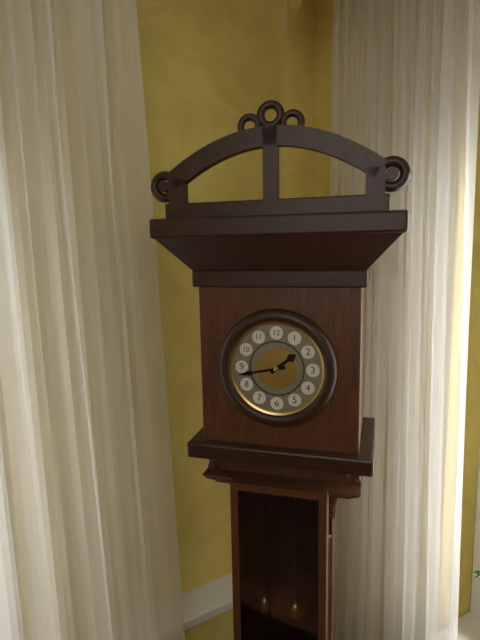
1:43
